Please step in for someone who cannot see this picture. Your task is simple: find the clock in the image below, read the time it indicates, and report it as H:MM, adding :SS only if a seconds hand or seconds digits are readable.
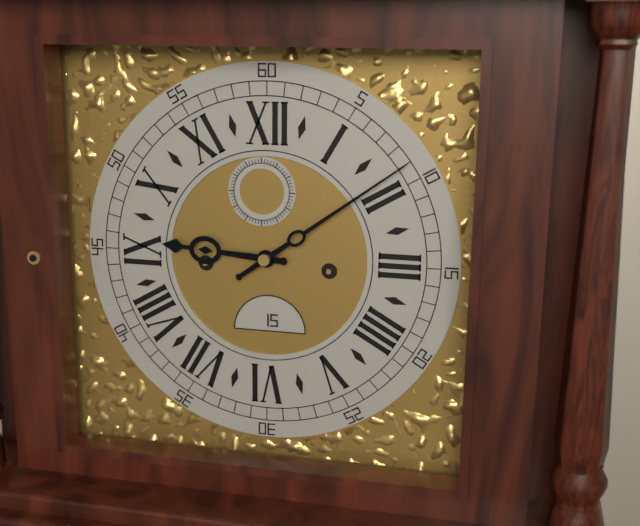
9:09
